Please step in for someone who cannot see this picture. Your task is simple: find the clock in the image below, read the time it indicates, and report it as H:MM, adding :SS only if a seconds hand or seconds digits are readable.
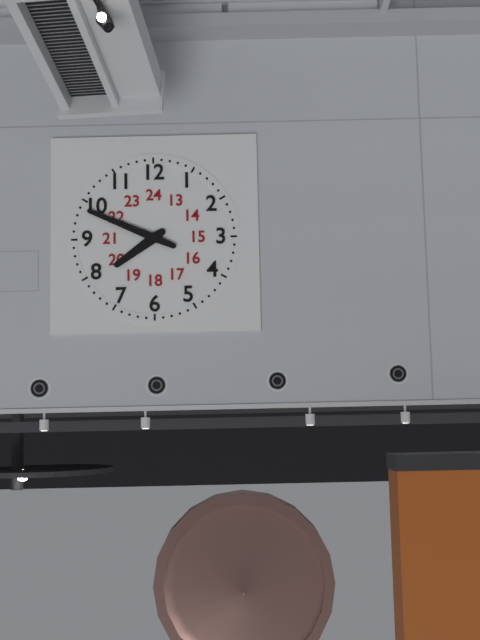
7:49
